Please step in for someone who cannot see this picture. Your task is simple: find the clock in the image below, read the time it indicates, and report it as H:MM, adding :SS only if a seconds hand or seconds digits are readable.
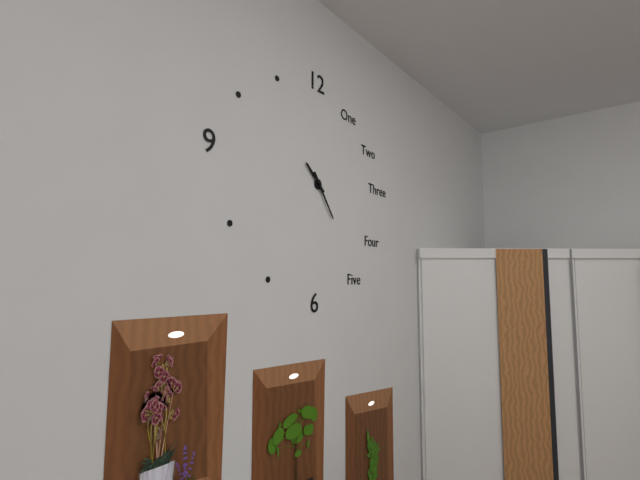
10:24
